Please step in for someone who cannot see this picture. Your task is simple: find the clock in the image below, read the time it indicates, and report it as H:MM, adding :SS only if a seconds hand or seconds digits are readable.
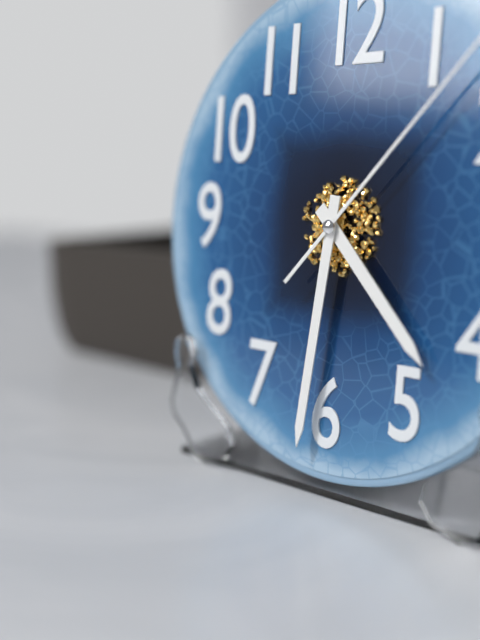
4:31
